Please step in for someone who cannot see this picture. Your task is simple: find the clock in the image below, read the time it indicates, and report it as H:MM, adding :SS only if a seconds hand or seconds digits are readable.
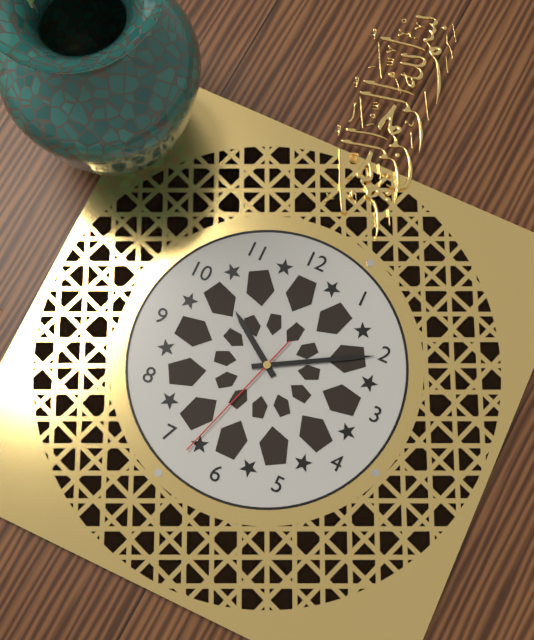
10:10:33
